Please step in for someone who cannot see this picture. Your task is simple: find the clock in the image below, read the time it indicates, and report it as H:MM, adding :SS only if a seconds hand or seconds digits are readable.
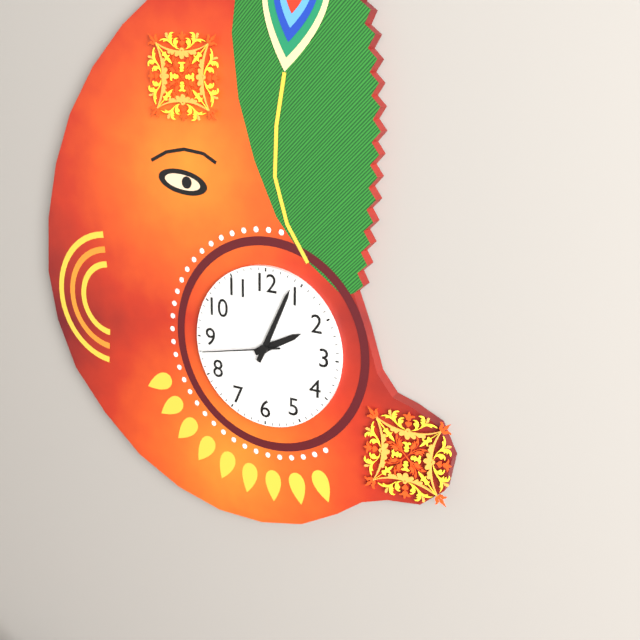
2:04:43
